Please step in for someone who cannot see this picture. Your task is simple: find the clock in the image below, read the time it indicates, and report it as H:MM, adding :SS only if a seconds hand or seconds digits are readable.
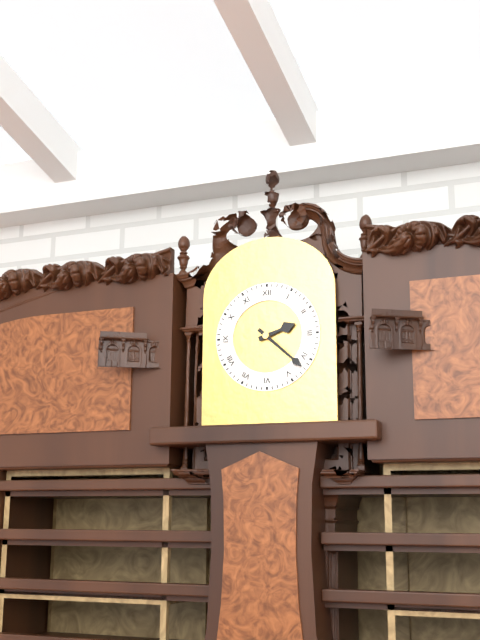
2:22
